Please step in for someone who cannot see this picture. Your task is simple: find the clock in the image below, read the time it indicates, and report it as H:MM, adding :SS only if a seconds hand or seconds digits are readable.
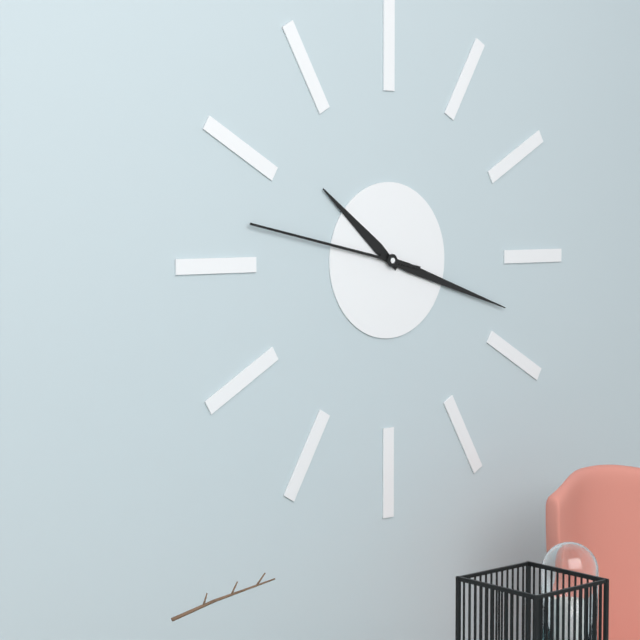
10:18:47
